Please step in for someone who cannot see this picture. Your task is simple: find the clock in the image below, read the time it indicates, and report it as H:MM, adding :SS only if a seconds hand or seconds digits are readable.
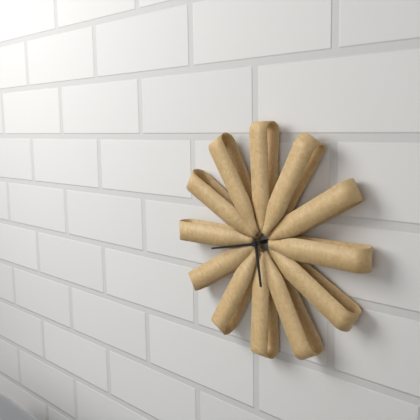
5:43
